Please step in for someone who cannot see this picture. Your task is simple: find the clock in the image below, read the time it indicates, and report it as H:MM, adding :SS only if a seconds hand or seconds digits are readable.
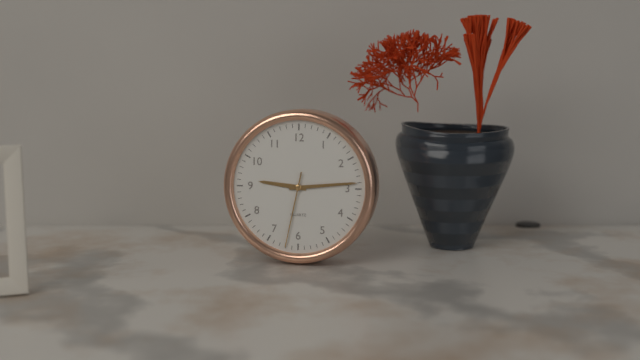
9:14:32
